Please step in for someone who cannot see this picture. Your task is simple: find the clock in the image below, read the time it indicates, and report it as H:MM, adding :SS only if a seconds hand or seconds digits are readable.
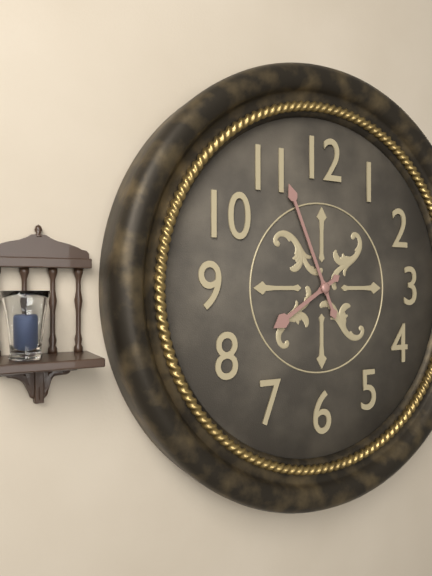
7:56
